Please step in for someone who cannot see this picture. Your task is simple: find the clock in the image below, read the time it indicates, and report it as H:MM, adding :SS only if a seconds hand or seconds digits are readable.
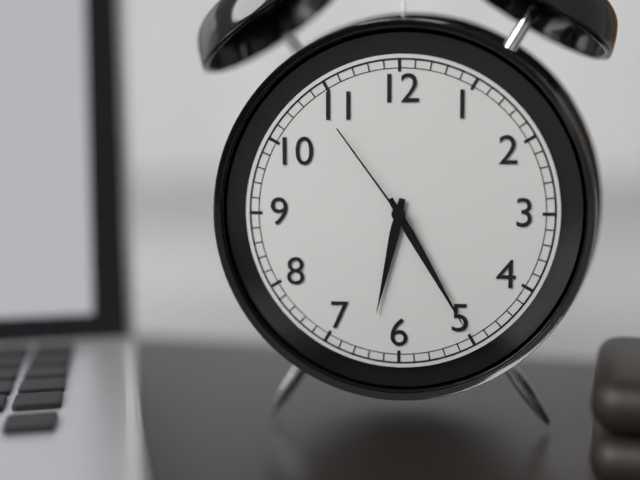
6:25:54
